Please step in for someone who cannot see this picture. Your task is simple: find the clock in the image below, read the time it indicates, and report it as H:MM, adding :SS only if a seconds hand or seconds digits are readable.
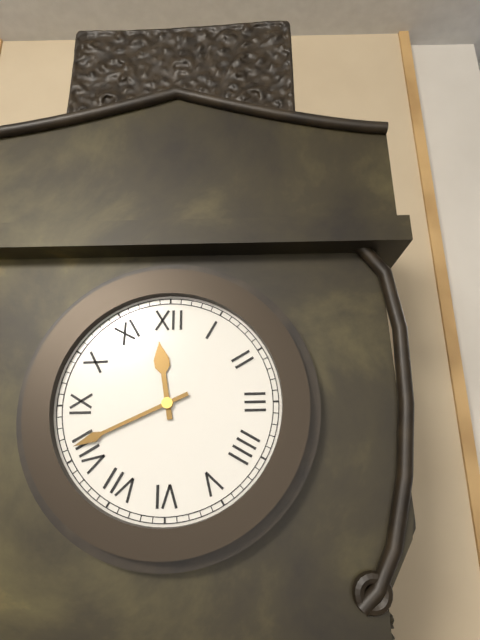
11:41
